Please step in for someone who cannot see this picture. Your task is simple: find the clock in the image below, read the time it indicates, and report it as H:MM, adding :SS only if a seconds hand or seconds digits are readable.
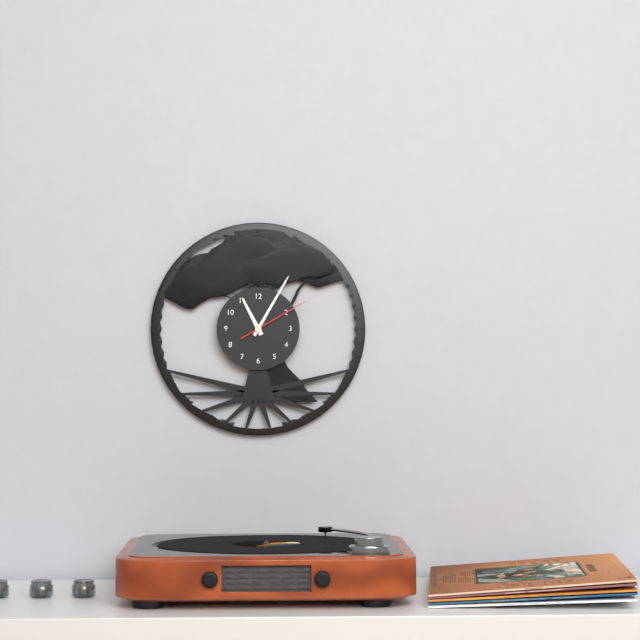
11:05:10
